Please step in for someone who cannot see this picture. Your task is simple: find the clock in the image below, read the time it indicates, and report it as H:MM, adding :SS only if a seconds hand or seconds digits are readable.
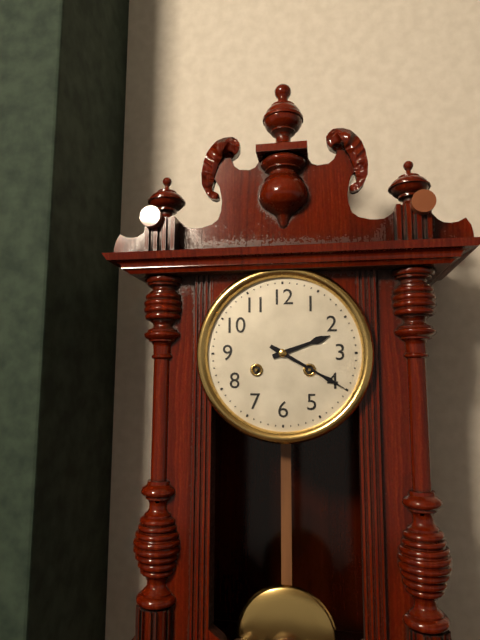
2:20
